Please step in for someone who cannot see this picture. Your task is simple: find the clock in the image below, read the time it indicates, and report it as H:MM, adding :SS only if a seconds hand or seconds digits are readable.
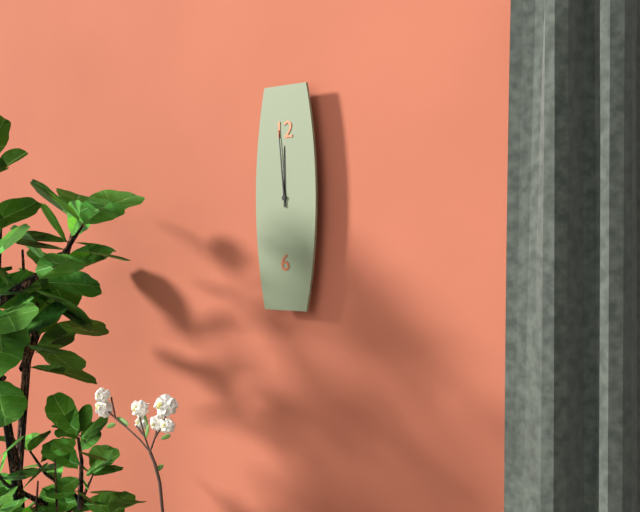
11:59
